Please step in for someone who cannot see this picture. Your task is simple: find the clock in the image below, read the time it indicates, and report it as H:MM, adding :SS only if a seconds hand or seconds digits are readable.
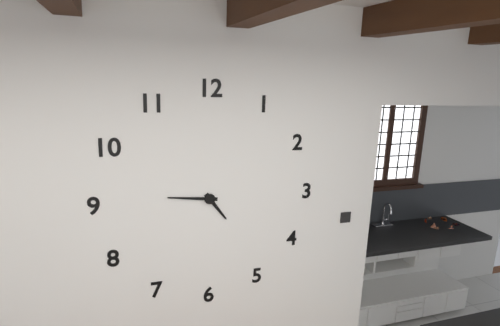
4:46
